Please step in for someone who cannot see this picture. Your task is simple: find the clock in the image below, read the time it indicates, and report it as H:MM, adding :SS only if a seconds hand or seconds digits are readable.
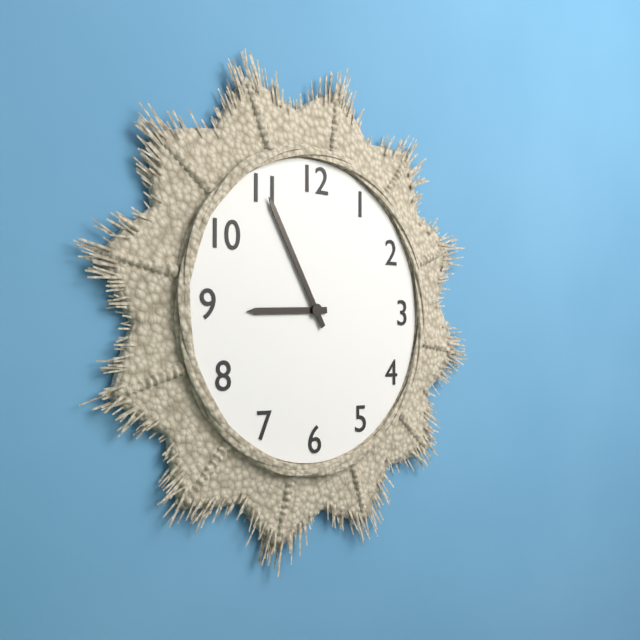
8:55
